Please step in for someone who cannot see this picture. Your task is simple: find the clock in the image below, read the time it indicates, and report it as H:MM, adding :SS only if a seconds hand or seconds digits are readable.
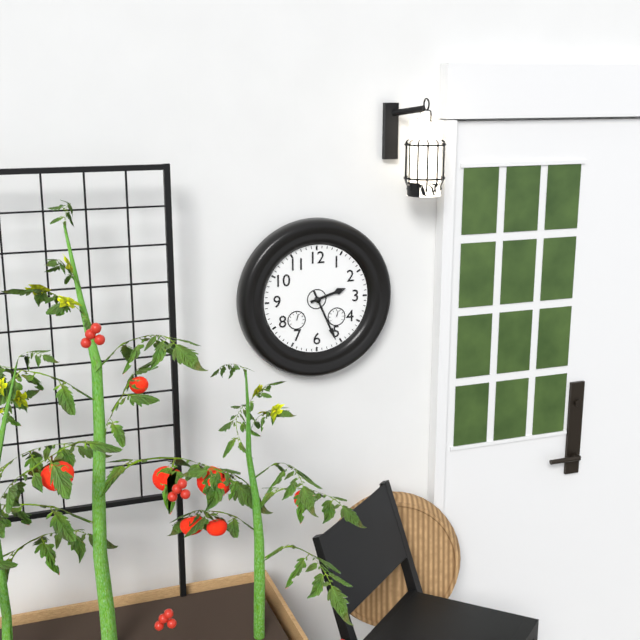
2:26
